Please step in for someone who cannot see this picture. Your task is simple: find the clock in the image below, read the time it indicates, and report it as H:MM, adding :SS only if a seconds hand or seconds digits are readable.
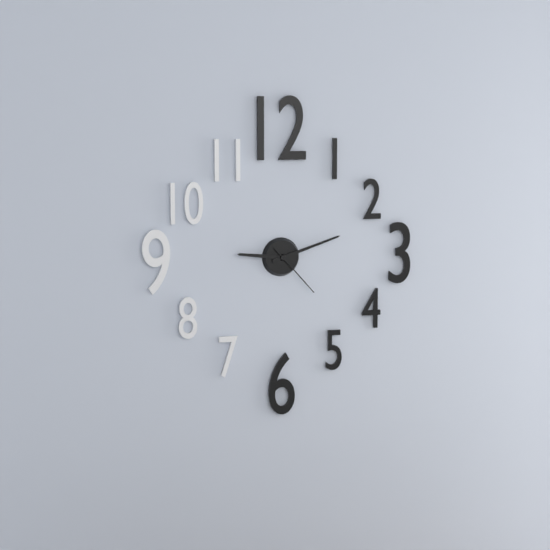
9:12:23
